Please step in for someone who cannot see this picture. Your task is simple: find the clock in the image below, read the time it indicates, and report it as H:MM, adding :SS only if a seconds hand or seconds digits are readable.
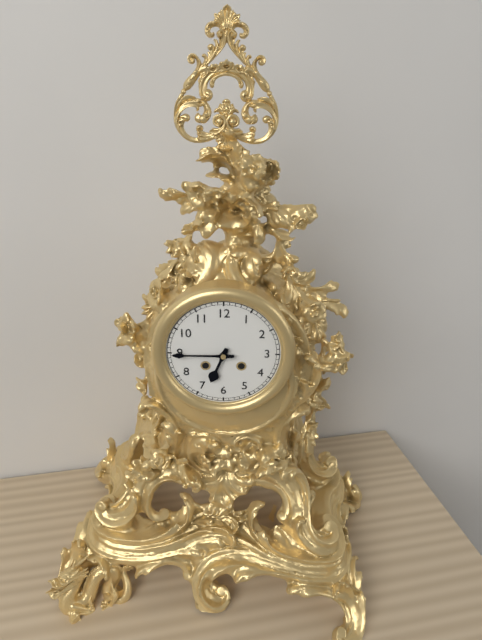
6:45
